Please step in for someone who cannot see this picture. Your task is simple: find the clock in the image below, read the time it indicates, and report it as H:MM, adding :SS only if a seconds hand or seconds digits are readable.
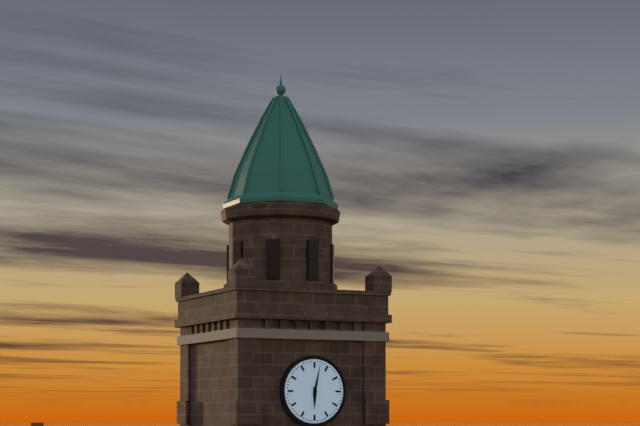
6:02
